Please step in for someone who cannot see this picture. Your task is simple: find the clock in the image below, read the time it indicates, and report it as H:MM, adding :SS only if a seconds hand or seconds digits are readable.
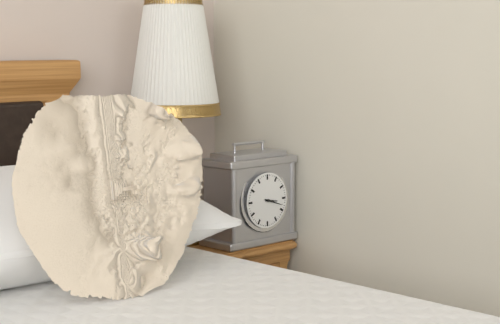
3:18
